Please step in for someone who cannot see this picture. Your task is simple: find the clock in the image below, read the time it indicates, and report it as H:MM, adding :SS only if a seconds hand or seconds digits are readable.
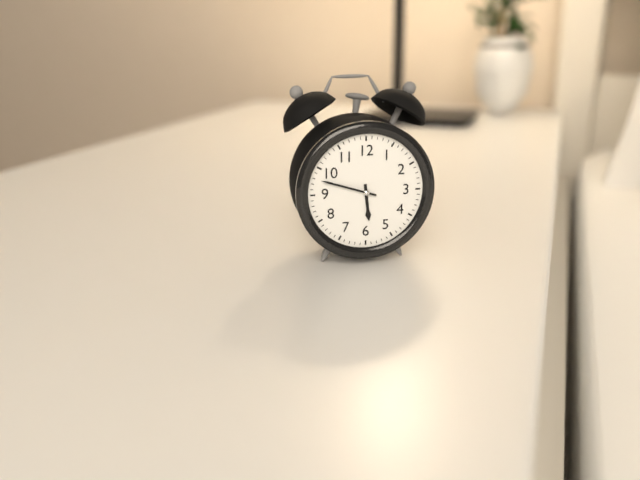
5:48
